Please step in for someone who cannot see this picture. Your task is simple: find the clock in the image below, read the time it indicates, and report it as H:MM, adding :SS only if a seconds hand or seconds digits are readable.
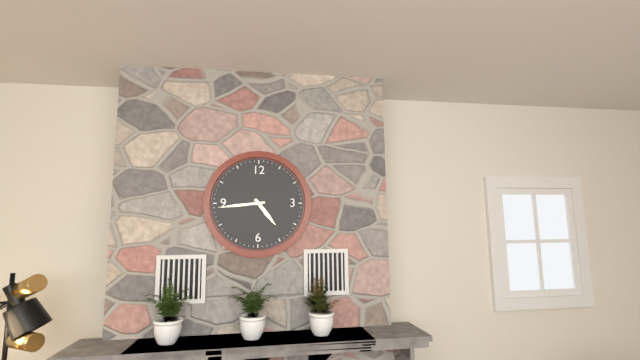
4:44
